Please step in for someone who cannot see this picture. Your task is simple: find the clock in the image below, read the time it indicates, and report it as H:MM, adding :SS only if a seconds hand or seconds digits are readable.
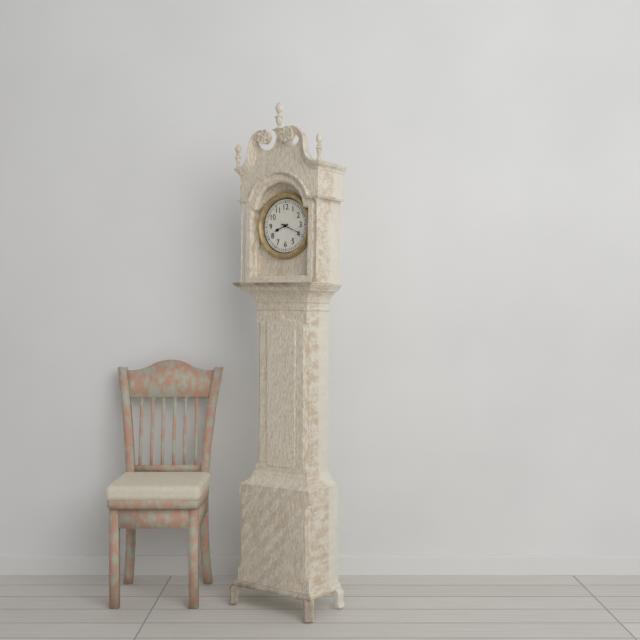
8:19
